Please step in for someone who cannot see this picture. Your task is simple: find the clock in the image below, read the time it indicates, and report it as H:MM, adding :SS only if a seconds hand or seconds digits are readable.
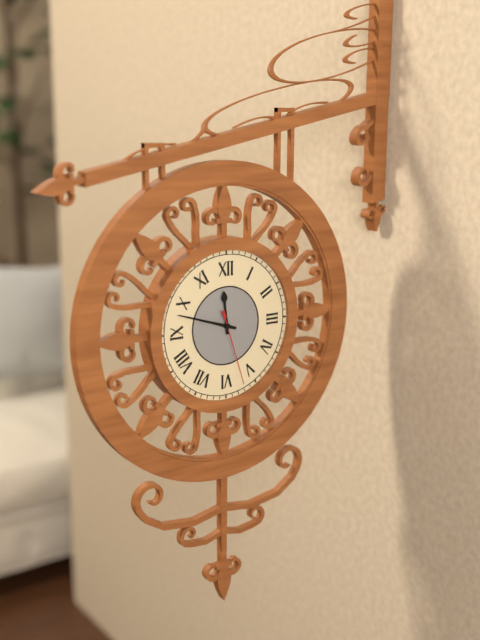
11:48:27
